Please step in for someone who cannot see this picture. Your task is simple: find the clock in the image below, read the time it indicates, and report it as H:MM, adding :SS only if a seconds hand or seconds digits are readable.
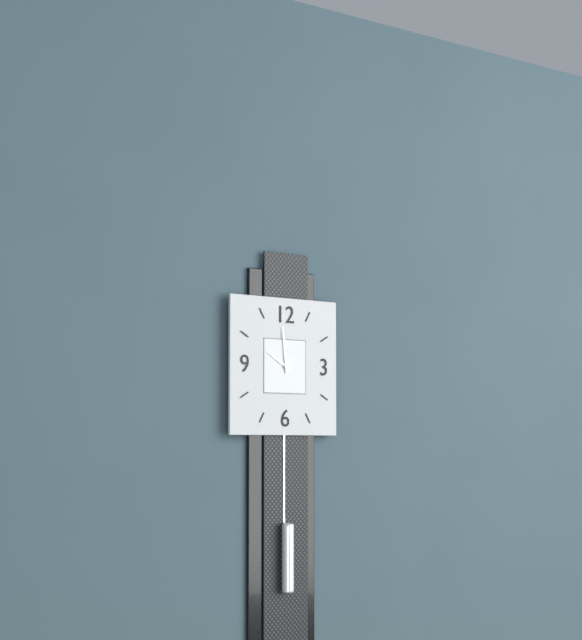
9:59
